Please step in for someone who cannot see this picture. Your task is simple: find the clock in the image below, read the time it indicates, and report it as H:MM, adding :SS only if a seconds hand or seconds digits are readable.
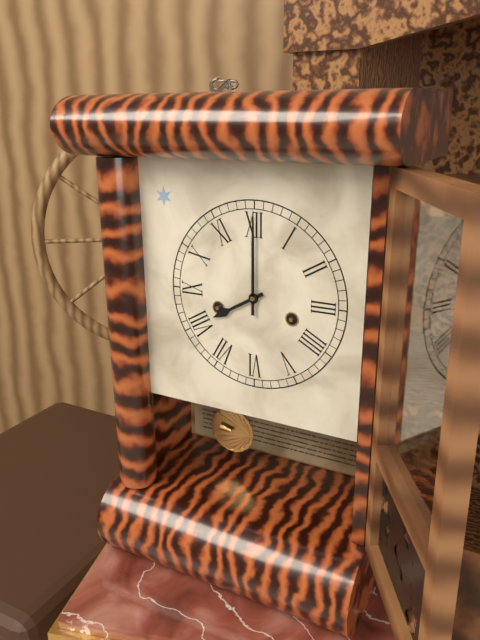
8:00
